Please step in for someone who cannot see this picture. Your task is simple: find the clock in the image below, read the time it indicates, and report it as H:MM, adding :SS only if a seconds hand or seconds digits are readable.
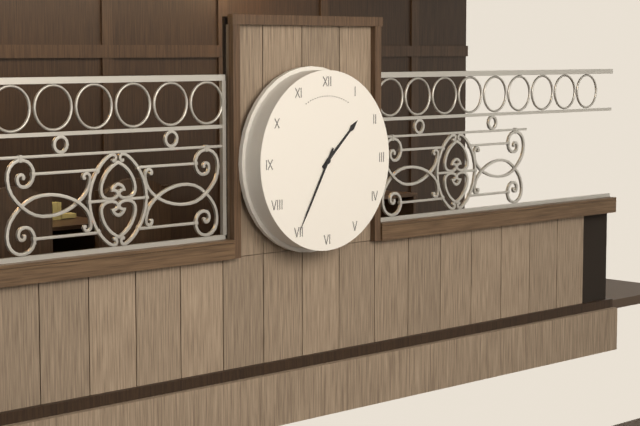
1:35
